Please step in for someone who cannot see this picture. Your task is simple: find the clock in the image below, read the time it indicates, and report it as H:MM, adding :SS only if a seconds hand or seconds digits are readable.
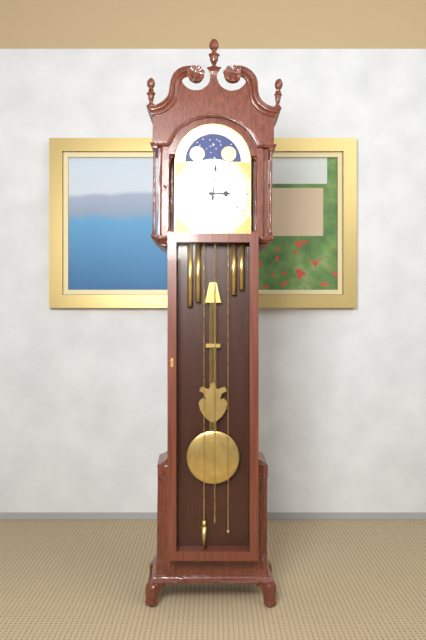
3:01
